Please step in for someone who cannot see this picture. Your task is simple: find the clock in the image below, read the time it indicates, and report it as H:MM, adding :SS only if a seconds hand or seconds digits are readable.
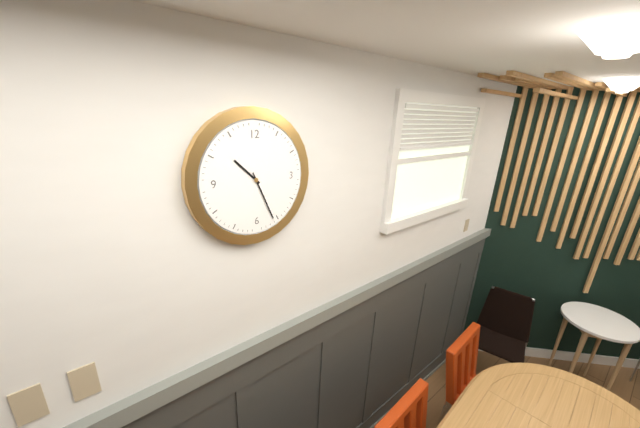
10:26
